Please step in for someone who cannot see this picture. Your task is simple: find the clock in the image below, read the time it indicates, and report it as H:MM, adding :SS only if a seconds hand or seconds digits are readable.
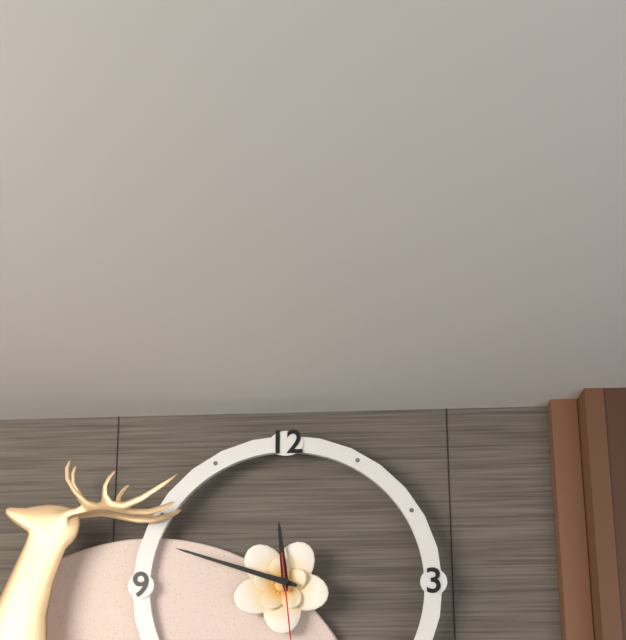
11:48
